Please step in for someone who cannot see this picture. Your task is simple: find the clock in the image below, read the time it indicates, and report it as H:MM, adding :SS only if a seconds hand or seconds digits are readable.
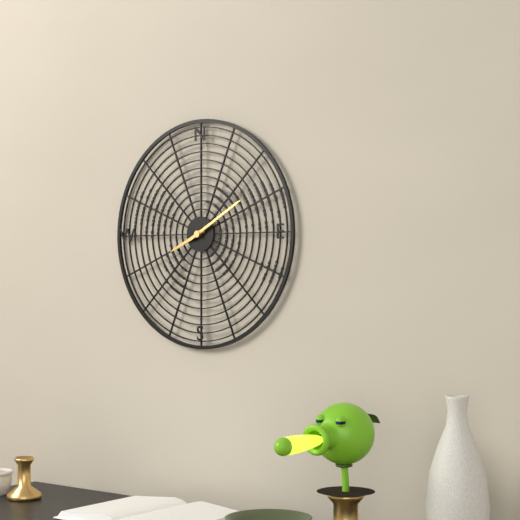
8:10
